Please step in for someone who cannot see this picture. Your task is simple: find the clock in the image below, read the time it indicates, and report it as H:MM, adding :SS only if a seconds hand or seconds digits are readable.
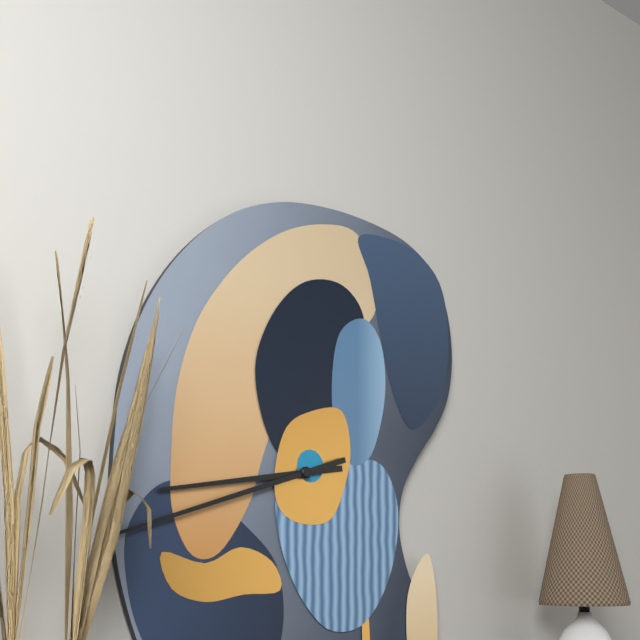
8:42
